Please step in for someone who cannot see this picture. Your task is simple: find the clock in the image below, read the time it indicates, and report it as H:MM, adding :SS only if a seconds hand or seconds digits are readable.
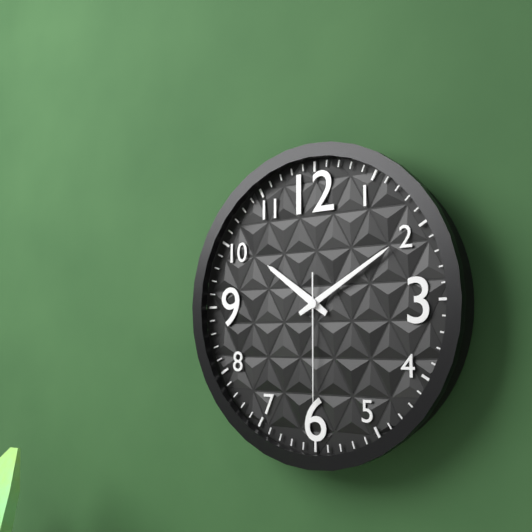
10:10:30
